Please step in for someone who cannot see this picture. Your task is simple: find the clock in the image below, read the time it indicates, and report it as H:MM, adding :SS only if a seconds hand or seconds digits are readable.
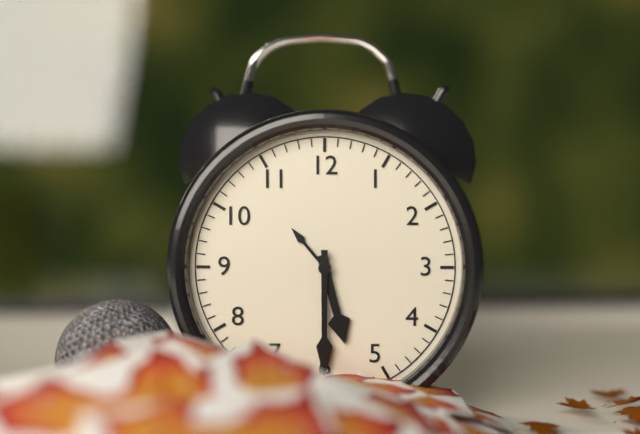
5:30
